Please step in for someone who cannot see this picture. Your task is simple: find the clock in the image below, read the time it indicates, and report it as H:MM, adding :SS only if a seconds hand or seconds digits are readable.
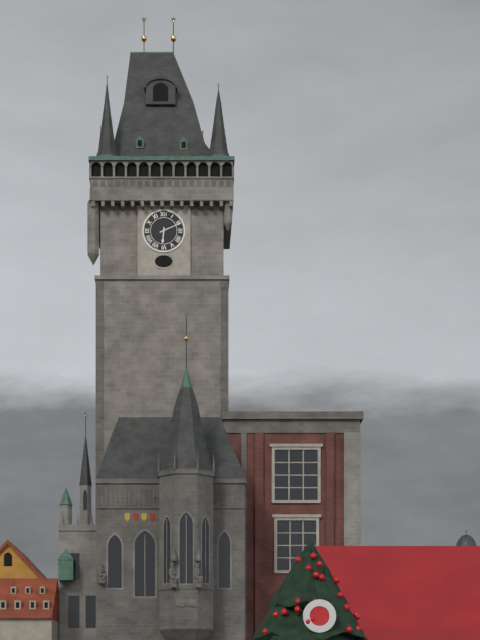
6:11
